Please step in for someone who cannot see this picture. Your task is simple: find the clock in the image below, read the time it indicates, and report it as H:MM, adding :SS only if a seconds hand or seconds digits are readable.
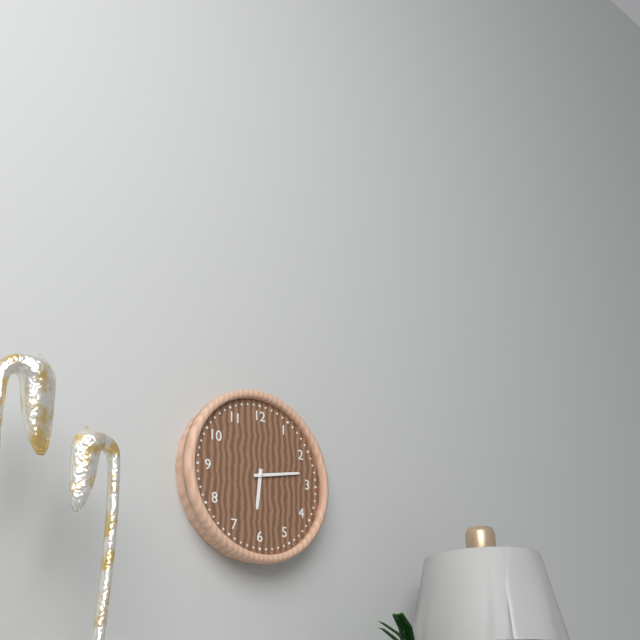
6:13
